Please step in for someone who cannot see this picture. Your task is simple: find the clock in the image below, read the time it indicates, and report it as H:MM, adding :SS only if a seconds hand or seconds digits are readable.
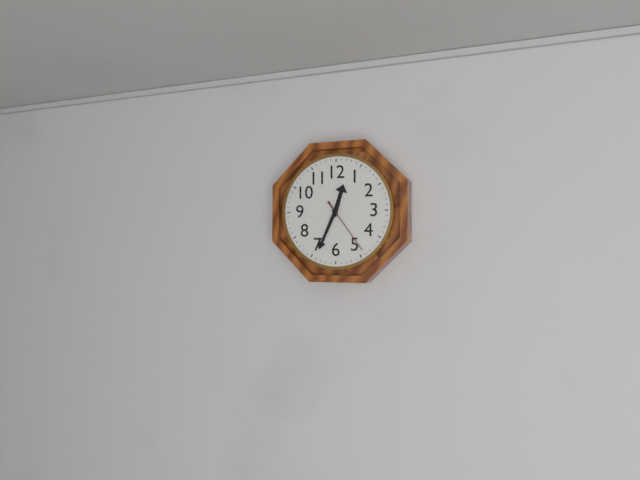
12:34:24
